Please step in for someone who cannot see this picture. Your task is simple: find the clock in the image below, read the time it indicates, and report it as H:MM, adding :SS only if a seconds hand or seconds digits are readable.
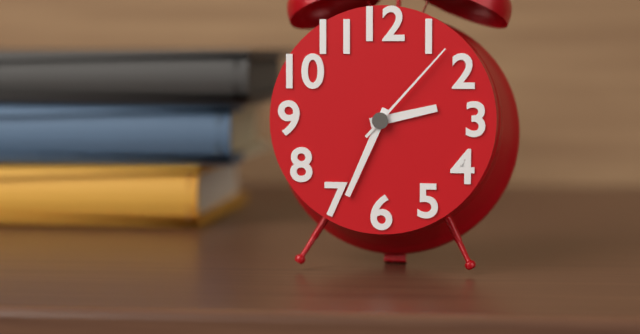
2:34:07
